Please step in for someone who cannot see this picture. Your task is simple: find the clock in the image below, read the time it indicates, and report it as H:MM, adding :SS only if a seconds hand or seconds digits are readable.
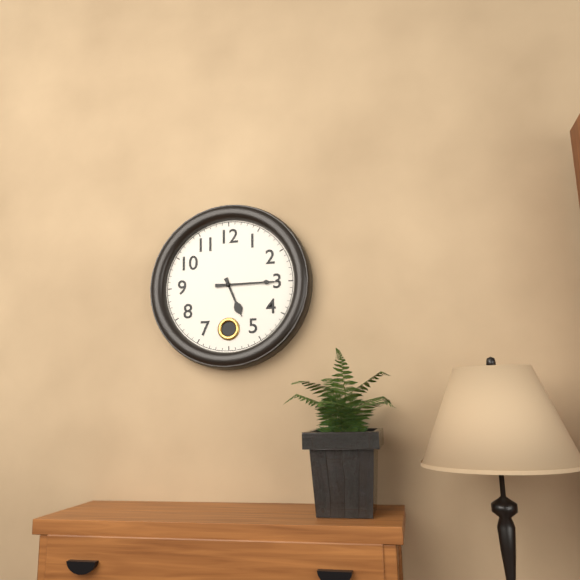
5:15
